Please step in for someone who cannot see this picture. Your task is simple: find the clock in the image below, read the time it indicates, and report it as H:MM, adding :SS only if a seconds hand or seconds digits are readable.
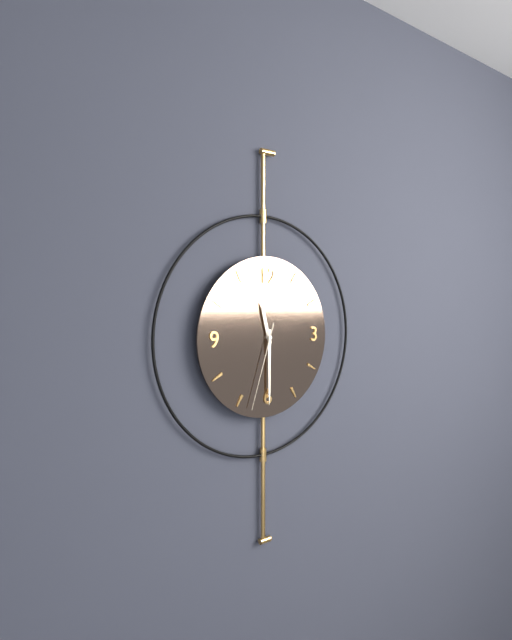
11:30:33
